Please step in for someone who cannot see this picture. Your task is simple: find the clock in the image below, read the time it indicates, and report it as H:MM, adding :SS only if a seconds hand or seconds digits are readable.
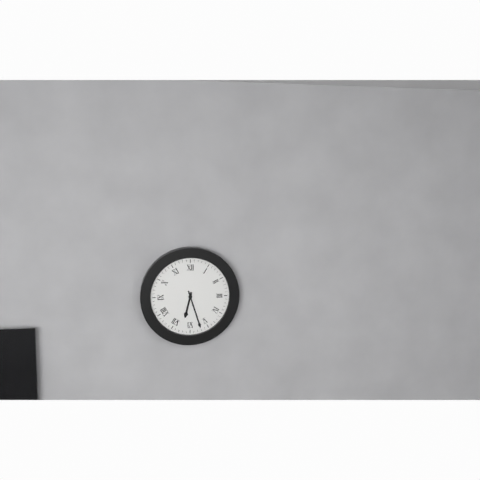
6:27
